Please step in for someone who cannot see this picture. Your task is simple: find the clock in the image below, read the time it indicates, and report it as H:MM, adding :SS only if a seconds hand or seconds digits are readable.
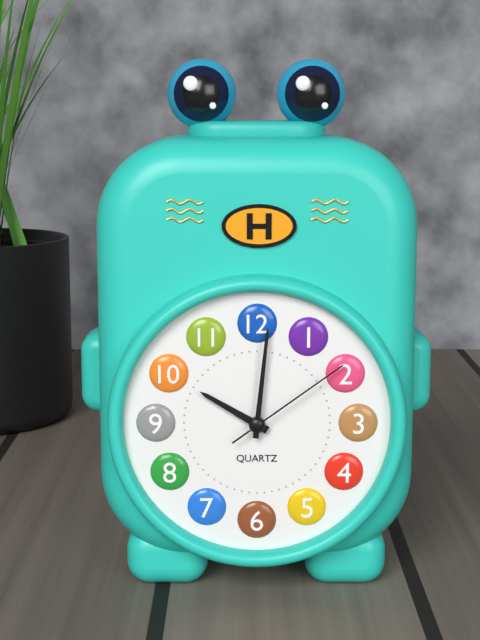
10:01:09
